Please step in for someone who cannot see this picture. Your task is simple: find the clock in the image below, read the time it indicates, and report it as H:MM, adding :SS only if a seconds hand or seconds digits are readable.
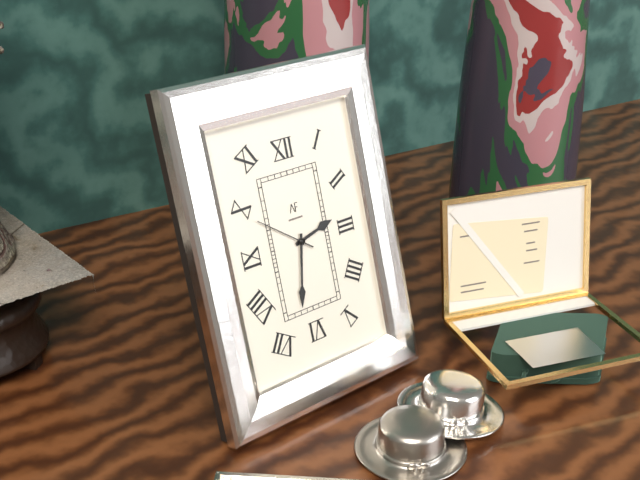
2:32:51
